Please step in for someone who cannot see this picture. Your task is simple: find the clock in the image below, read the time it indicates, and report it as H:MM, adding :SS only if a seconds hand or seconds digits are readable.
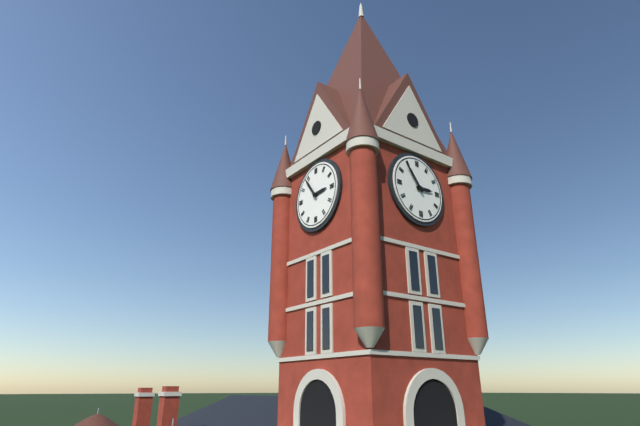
2:54
